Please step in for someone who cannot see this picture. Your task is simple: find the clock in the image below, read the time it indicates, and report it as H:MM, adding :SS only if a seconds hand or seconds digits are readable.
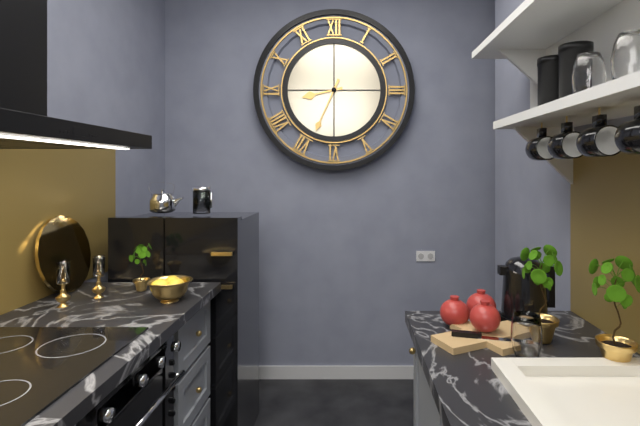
8:34
